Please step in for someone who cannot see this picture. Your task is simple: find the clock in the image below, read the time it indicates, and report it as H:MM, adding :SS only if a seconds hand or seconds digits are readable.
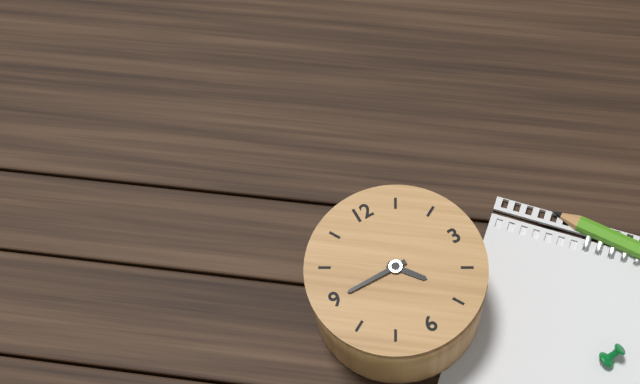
4:45
